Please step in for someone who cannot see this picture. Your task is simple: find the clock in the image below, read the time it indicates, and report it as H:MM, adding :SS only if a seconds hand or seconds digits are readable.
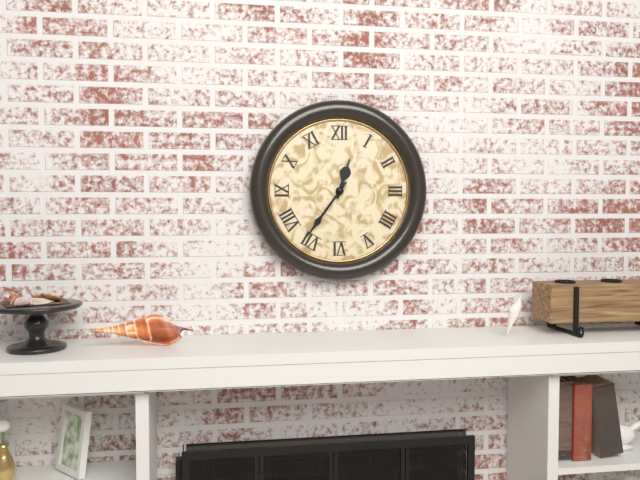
12:36
